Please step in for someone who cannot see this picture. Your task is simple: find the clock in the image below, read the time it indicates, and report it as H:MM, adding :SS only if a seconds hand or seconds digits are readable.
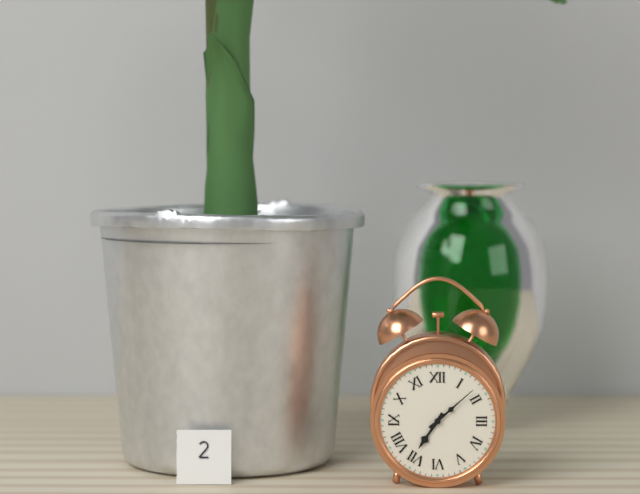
7:08
